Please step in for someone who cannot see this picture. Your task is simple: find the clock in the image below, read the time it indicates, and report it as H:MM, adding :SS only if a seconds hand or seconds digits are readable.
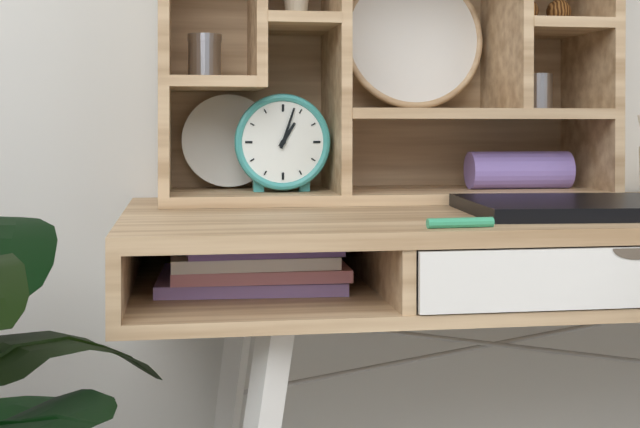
1:03
